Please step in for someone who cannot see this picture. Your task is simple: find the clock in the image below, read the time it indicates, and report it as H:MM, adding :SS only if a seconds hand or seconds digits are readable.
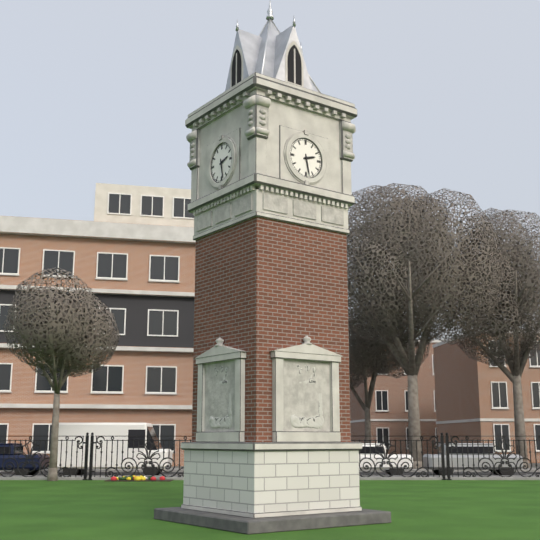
2:28
